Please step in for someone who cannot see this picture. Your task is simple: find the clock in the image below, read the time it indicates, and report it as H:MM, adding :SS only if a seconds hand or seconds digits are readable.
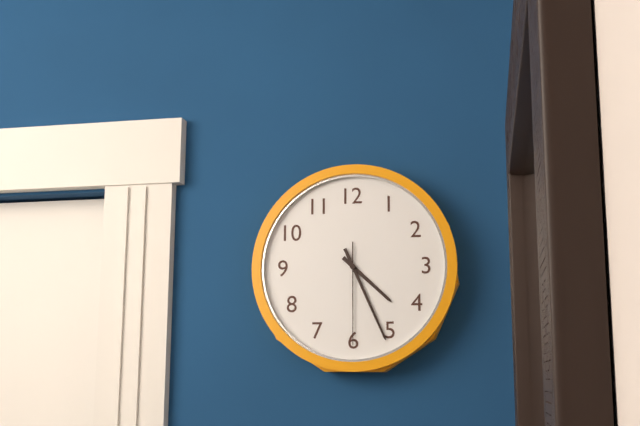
4:26:30
